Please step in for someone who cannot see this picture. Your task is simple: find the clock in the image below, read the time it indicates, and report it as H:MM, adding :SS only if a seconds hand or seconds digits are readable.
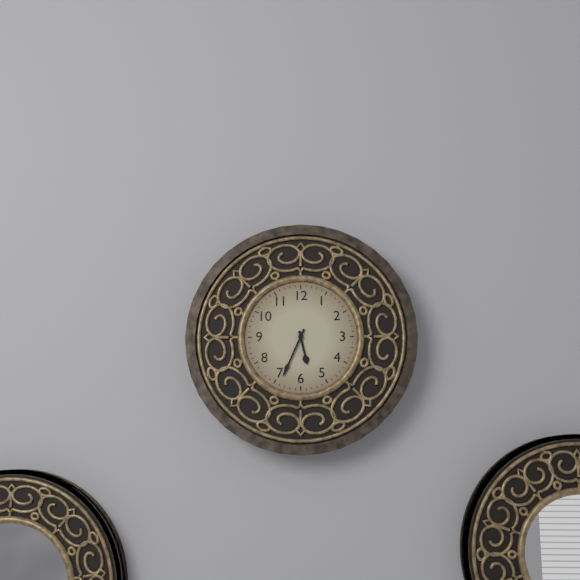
5:34
